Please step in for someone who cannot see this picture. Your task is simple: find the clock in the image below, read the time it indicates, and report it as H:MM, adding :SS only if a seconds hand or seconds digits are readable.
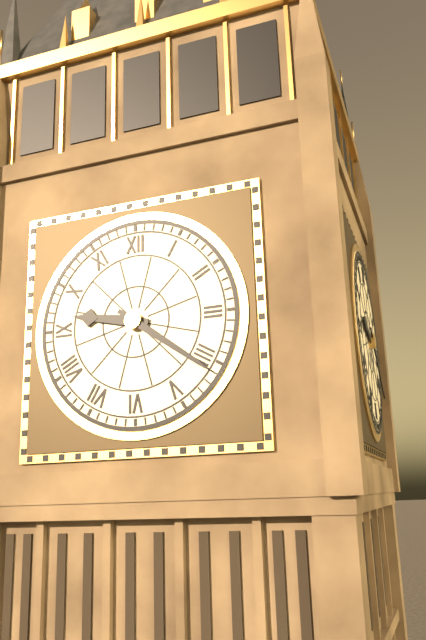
9:21
